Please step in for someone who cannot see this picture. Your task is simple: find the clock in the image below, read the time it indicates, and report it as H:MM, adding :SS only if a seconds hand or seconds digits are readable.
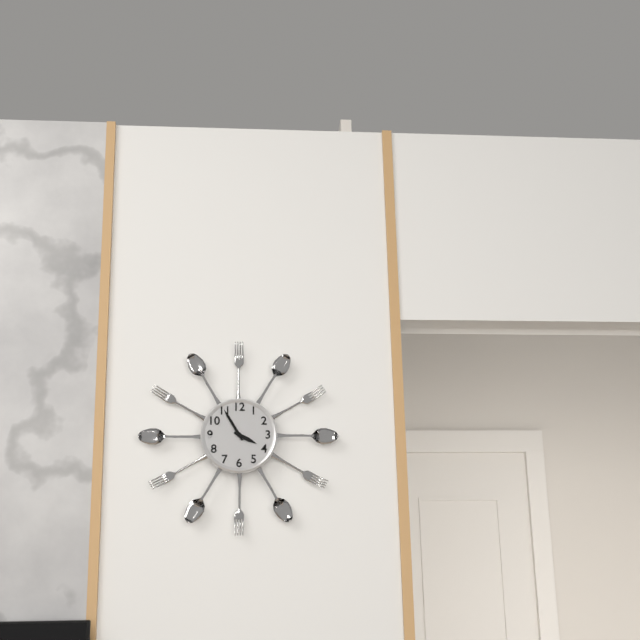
3:55
